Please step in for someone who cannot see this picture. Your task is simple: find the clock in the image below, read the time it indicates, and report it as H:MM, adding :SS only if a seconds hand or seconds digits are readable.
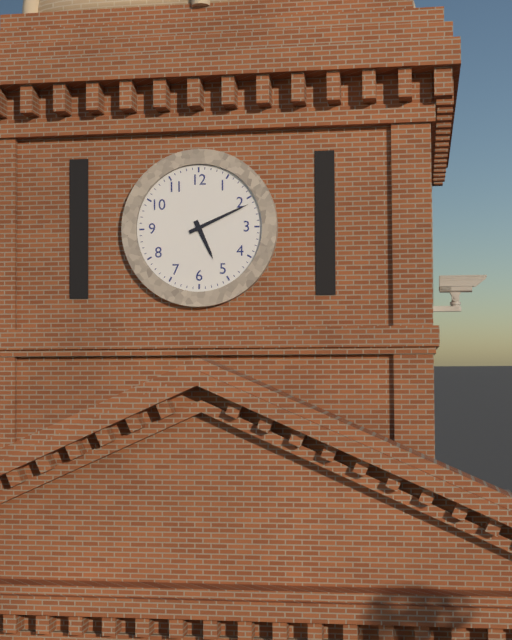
5:11
